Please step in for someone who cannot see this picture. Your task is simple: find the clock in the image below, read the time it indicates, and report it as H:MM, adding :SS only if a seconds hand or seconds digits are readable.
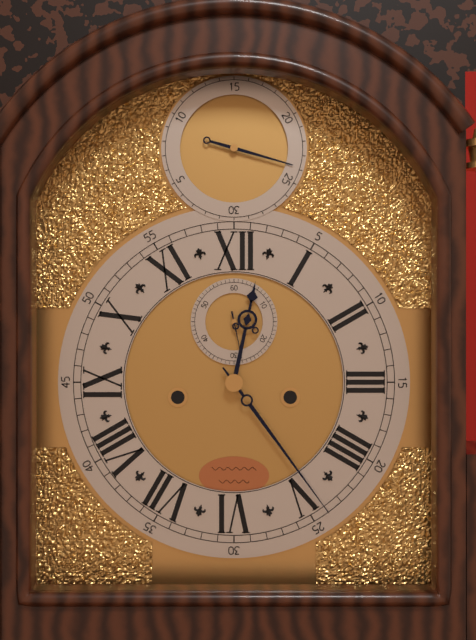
12:24
